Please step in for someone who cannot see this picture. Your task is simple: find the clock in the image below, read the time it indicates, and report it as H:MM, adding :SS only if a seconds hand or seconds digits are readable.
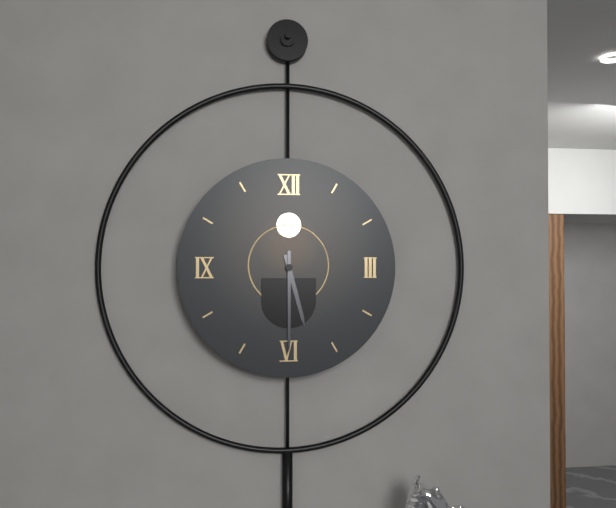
5:30
